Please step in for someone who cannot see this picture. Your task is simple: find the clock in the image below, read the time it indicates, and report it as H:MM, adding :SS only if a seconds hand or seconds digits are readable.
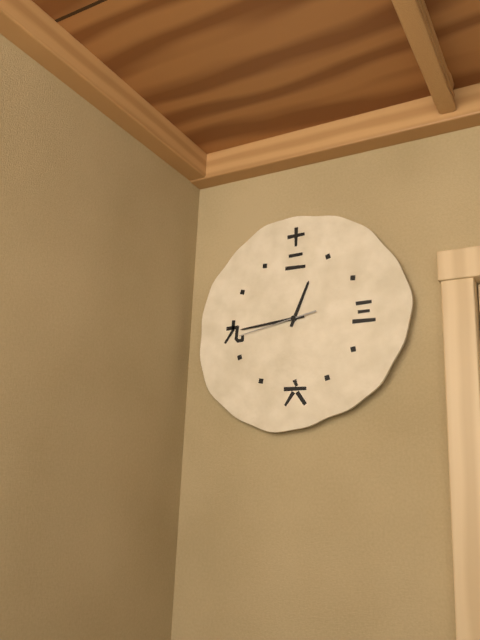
12:44:43
